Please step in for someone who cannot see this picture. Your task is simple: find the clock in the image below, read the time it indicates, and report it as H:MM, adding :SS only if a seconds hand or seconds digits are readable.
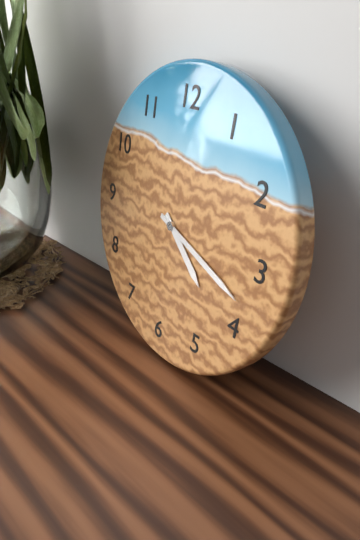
4:18
